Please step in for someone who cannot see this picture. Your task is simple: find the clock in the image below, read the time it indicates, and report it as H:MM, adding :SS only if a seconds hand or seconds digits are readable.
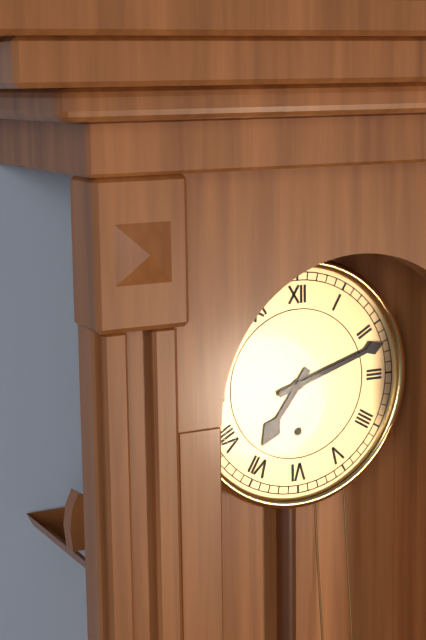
7:12
